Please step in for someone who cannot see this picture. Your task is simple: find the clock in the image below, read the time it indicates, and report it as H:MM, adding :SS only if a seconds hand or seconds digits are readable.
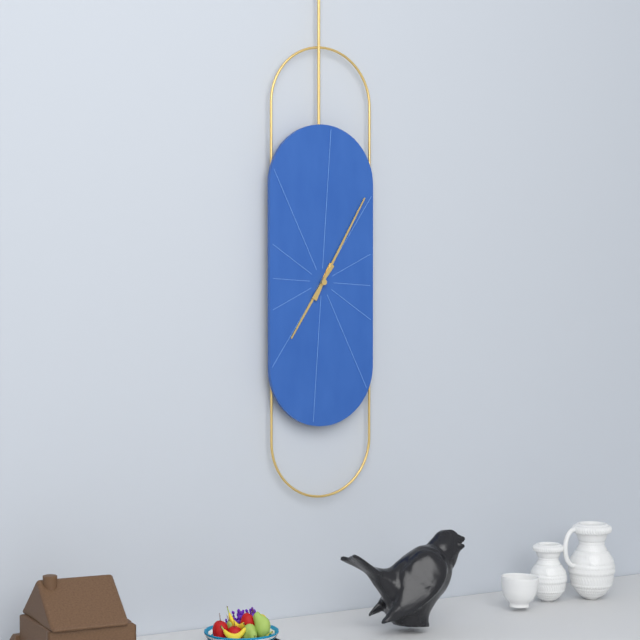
7:05
